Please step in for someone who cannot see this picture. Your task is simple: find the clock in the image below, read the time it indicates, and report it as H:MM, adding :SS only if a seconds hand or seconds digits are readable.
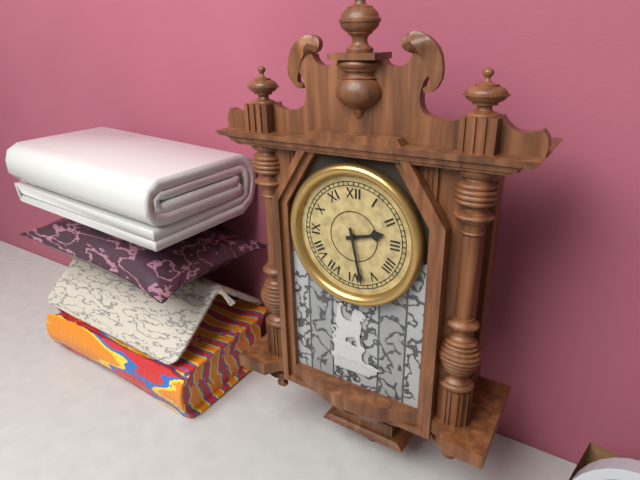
2:28
